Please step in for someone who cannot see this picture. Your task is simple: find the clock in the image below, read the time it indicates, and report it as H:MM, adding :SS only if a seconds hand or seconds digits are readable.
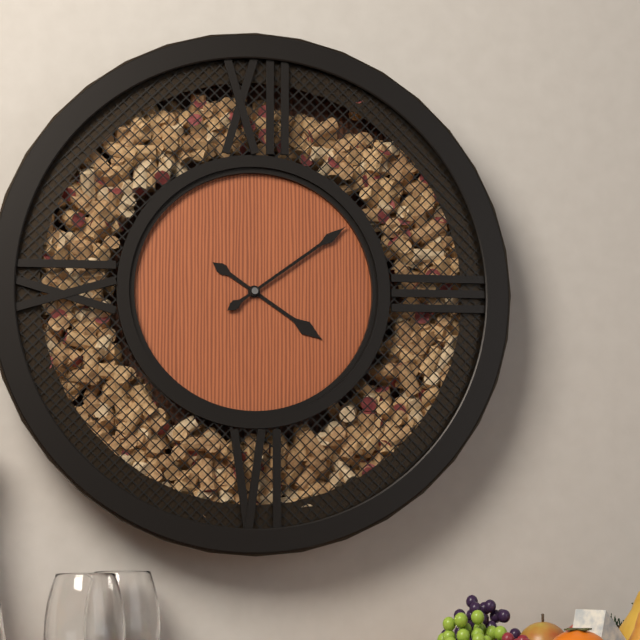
4:09
